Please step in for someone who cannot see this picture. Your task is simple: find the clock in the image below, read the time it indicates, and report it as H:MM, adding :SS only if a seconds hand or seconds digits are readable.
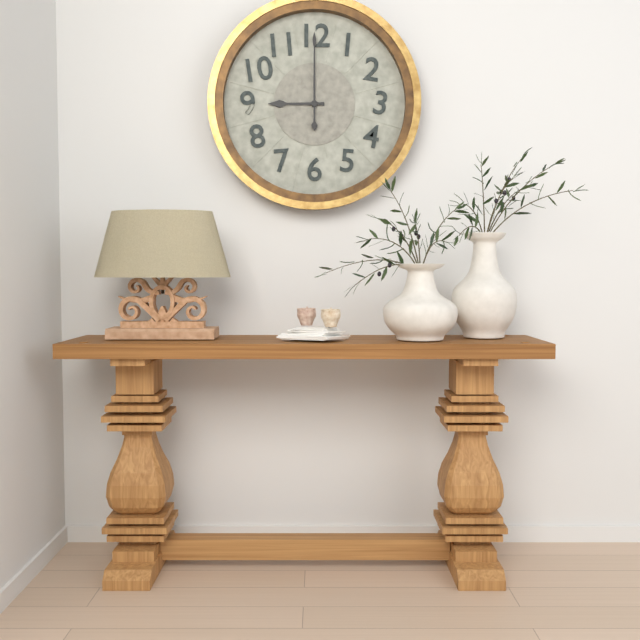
9:00
